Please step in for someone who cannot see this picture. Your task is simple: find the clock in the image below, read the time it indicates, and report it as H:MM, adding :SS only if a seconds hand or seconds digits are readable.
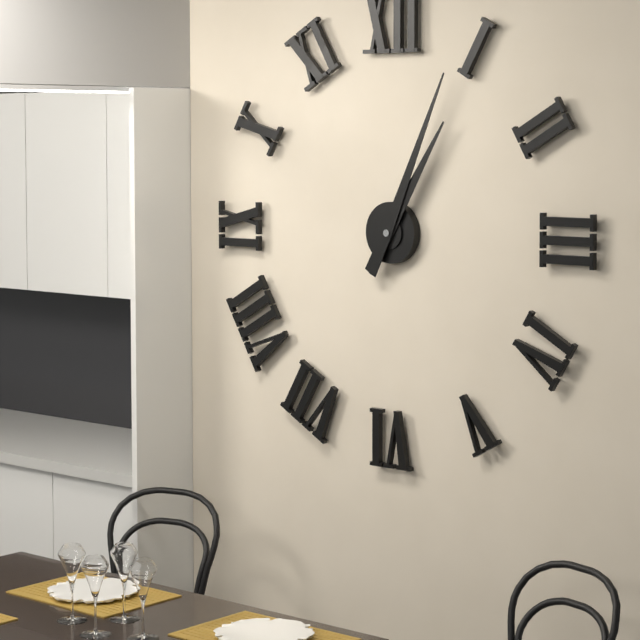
1:04
